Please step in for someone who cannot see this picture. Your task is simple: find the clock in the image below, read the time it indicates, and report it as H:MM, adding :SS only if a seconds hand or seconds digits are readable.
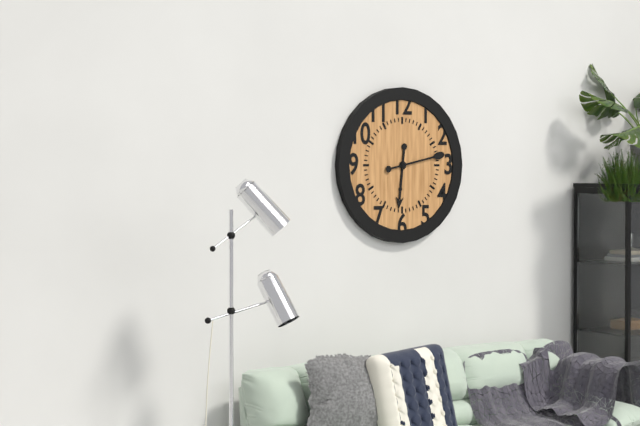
6:13
